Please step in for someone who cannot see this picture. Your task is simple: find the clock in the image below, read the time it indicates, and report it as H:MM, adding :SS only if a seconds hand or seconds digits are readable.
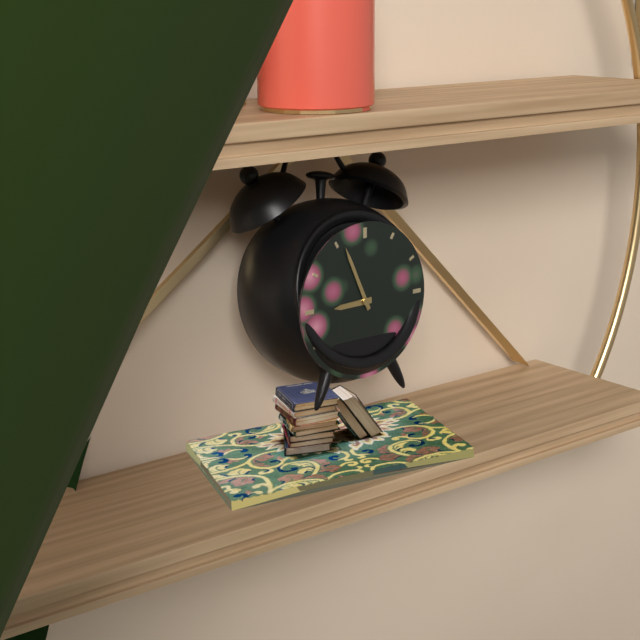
8:56
